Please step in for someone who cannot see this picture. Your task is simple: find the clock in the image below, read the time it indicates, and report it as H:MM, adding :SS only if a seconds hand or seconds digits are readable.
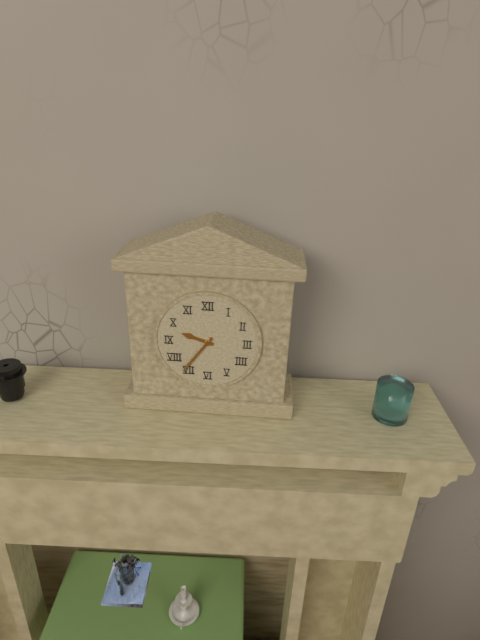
9:36
